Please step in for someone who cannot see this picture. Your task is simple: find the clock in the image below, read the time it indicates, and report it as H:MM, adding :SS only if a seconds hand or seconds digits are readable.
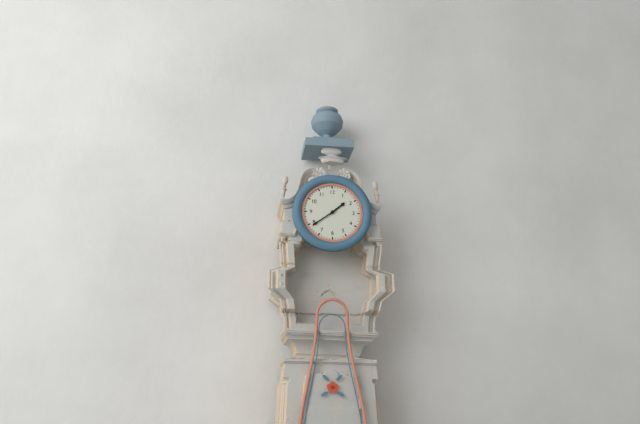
1:39
